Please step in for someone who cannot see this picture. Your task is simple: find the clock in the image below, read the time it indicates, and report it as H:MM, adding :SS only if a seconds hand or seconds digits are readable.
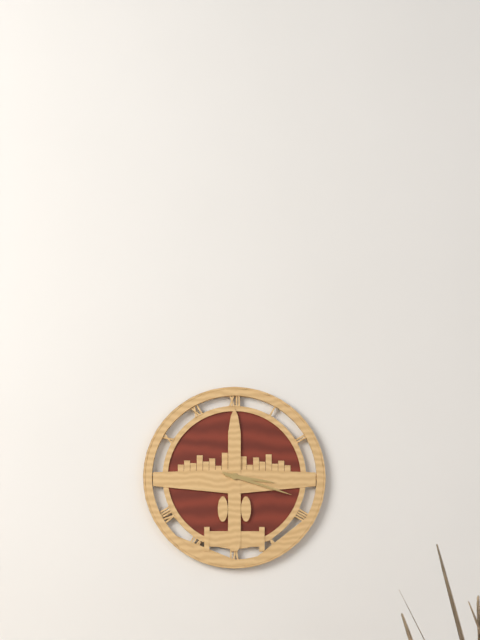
3:18
